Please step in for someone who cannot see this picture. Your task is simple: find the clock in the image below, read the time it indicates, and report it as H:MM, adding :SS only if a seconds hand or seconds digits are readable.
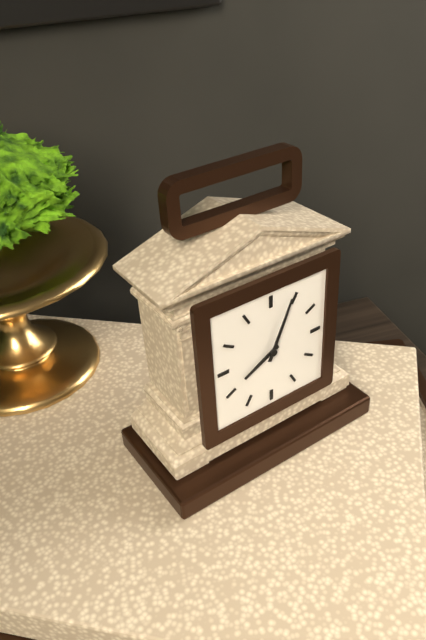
8:04
